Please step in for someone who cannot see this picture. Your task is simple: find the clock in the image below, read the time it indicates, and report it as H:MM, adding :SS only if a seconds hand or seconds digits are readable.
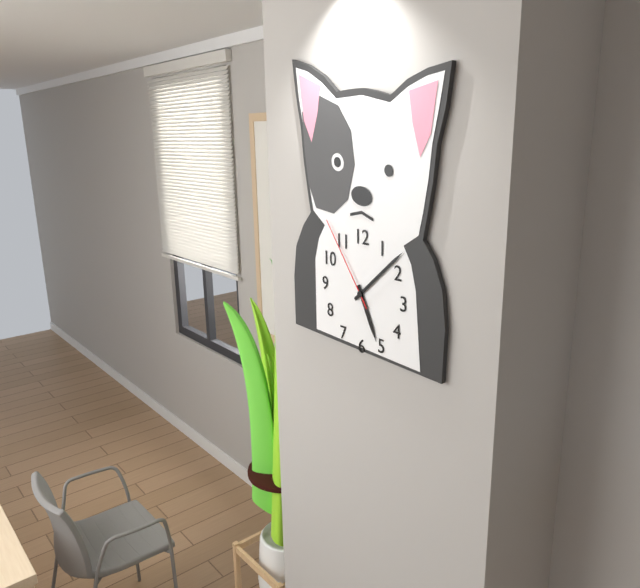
5:08:54
